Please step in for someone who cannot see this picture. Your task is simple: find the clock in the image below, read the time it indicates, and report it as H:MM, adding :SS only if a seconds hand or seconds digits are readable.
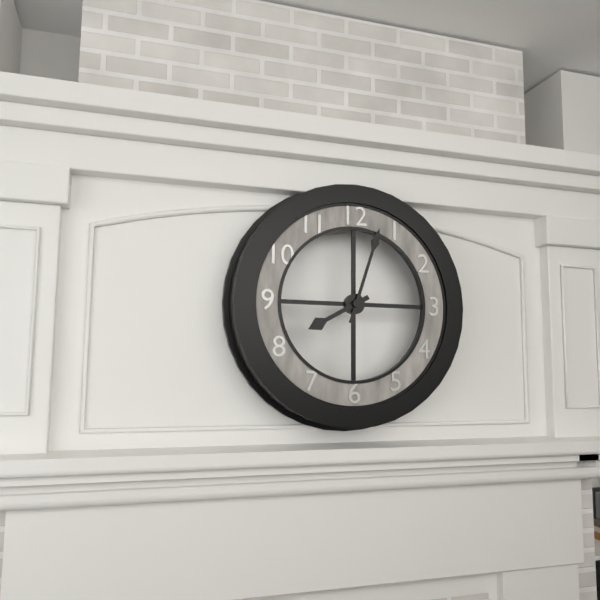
8:03
